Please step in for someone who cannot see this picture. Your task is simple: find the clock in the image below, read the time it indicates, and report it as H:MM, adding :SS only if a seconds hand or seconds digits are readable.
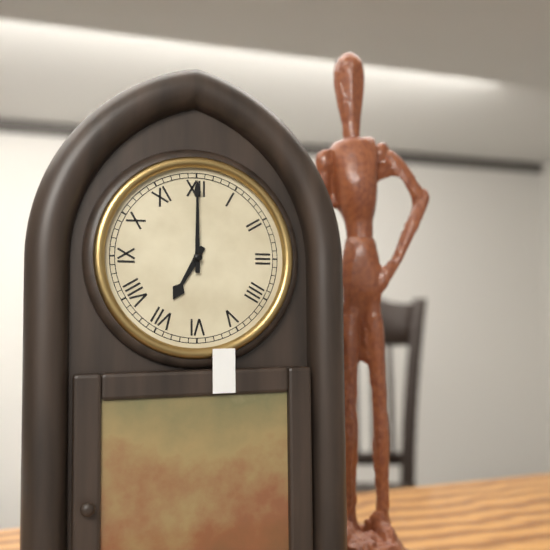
7:00
